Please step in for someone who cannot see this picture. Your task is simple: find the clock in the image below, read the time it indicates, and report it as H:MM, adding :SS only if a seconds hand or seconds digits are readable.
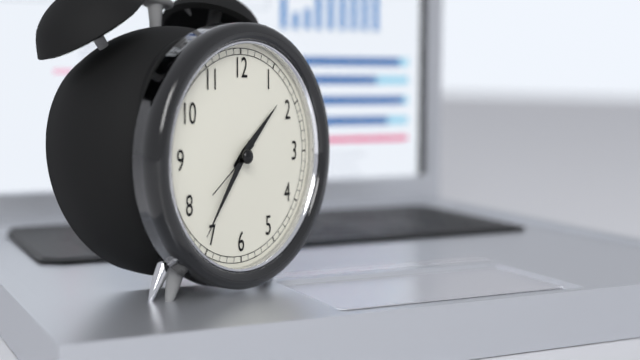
1:36:39
